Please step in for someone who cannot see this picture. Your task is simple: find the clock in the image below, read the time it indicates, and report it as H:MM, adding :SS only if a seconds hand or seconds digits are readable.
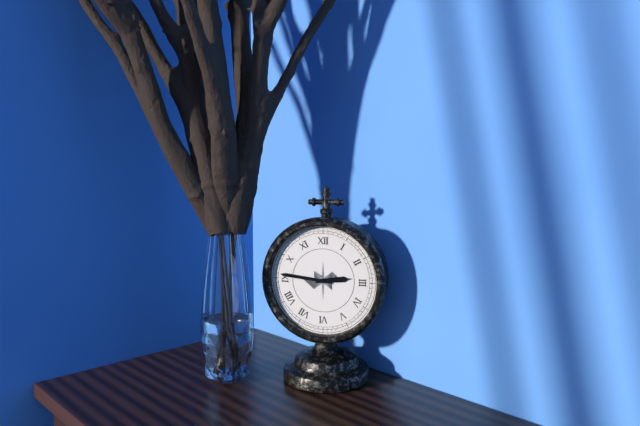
2:46
